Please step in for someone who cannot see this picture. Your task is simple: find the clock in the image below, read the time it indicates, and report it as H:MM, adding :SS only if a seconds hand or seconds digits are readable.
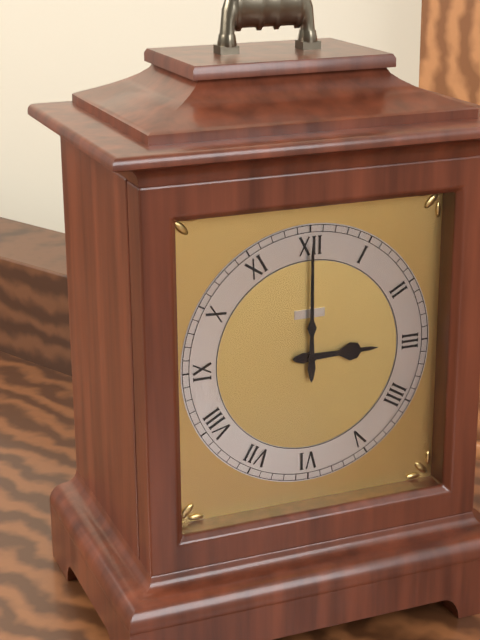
3:00
